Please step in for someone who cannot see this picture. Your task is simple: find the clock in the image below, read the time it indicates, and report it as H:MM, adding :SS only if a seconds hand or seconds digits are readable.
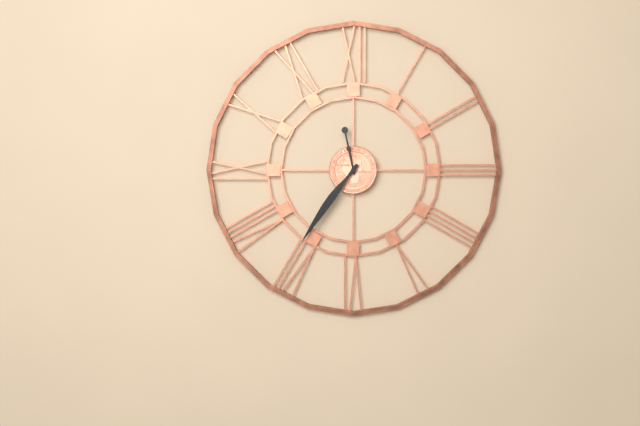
11:36
